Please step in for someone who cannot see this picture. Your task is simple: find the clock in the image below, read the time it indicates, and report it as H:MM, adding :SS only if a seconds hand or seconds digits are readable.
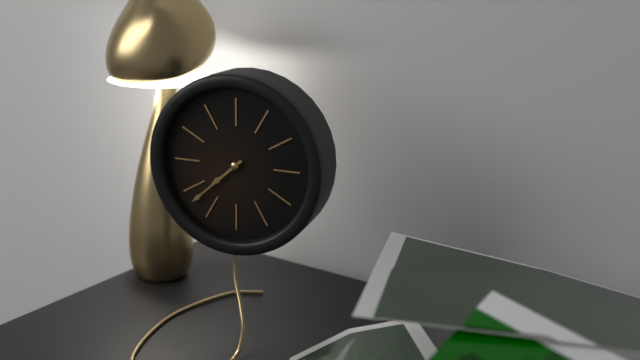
7:38
